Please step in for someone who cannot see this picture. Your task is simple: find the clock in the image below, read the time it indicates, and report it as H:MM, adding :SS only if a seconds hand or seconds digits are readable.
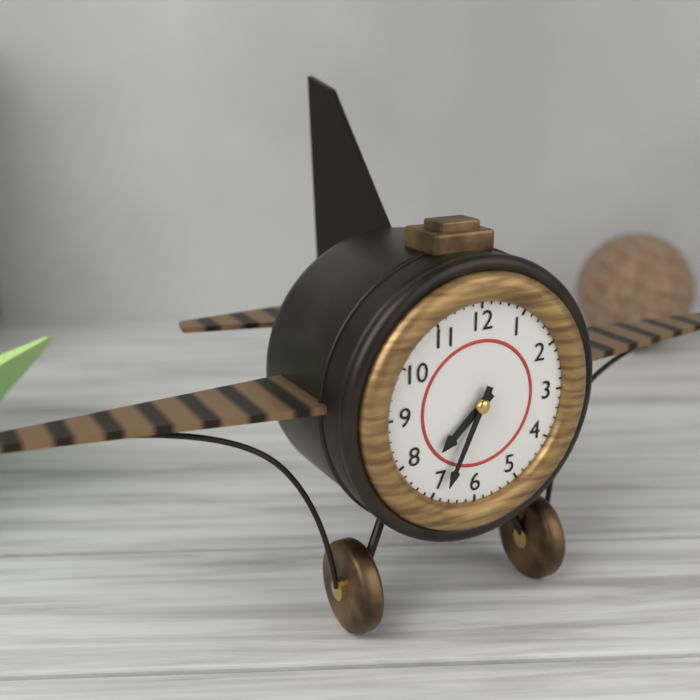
7:34
